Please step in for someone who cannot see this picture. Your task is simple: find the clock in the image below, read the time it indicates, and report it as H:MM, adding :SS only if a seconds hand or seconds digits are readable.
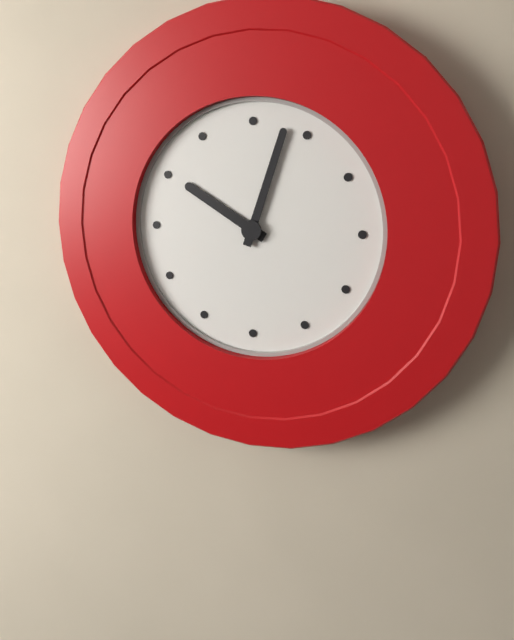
10:03
